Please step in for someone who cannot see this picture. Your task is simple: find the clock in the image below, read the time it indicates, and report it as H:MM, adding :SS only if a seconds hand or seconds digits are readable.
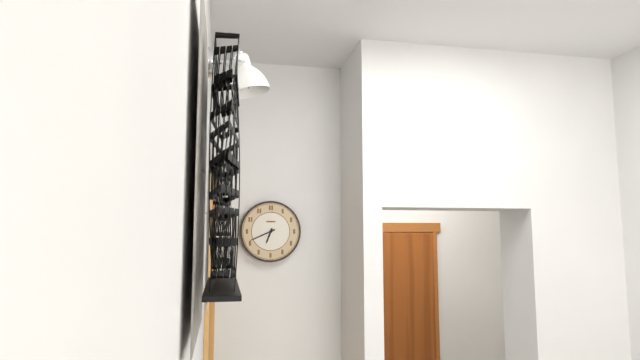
6:41
